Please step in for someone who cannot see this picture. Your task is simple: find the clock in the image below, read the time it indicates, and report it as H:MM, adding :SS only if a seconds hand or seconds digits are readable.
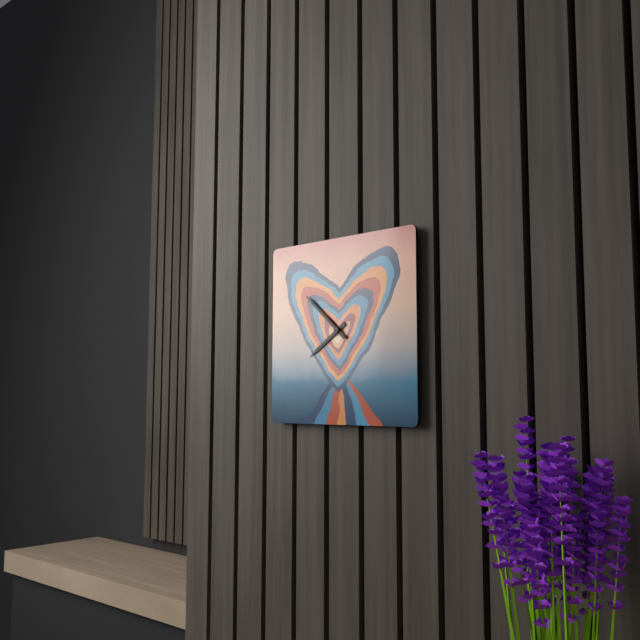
7:52
